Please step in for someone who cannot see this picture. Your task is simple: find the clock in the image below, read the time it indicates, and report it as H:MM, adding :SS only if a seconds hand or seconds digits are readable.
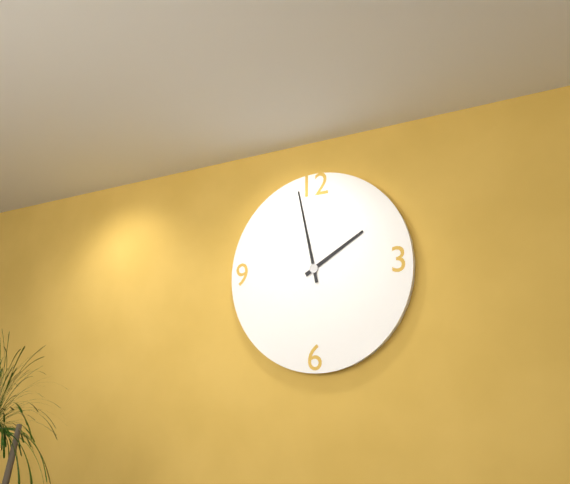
1:58
